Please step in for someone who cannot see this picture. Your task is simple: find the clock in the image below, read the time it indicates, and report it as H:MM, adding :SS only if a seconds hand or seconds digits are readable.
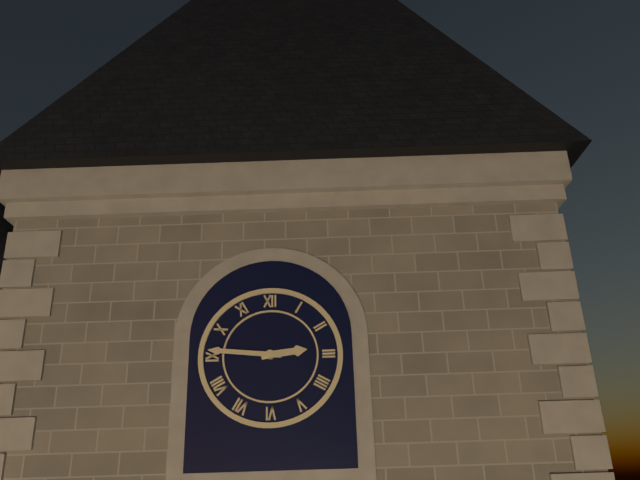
2:46
